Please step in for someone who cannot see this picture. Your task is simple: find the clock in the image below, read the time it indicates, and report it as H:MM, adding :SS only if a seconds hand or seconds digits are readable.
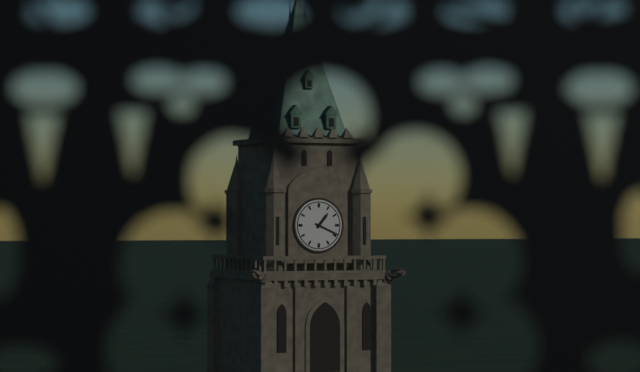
1:19
